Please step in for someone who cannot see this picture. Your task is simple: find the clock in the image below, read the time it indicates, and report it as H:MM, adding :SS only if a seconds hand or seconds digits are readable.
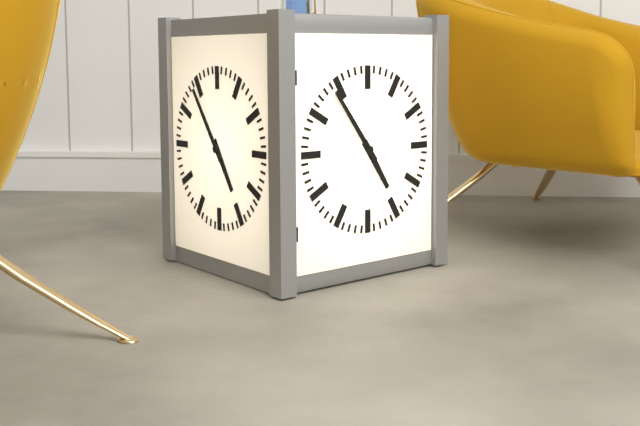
4:54
